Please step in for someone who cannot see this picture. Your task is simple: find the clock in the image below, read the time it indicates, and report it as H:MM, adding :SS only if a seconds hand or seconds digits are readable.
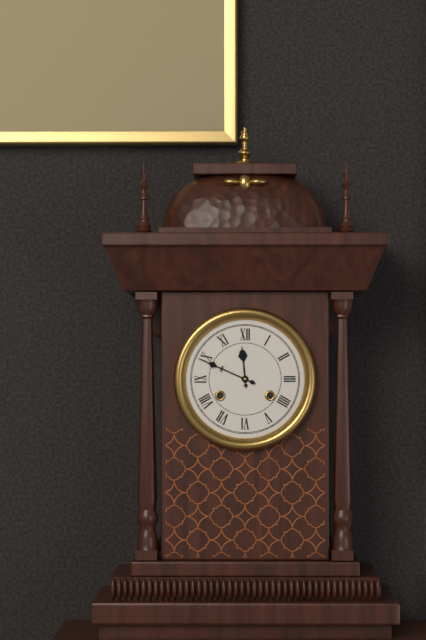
11:49
